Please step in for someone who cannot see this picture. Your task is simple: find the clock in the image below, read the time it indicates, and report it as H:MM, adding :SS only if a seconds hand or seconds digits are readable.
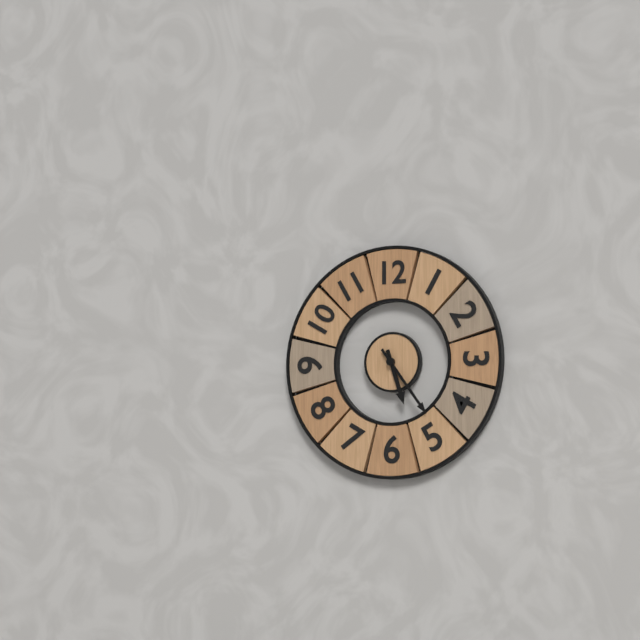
5:24
